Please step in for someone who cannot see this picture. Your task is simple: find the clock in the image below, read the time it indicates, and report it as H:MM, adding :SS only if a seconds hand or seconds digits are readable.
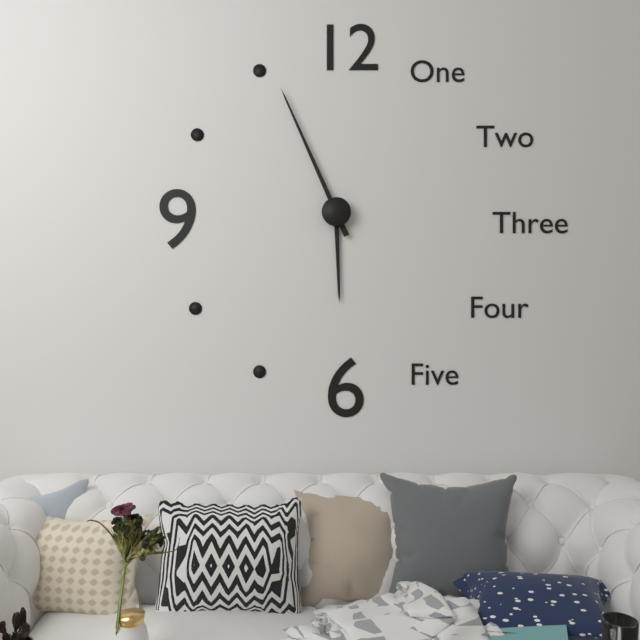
5:56
